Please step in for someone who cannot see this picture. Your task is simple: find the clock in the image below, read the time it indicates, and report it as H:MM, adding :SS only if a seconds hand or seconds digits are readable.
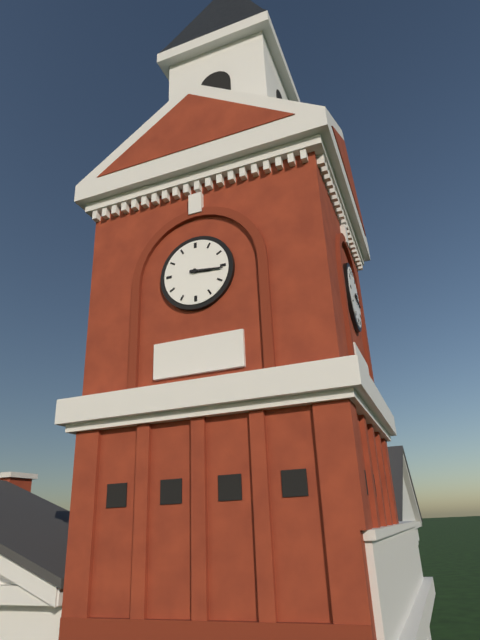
3:16
